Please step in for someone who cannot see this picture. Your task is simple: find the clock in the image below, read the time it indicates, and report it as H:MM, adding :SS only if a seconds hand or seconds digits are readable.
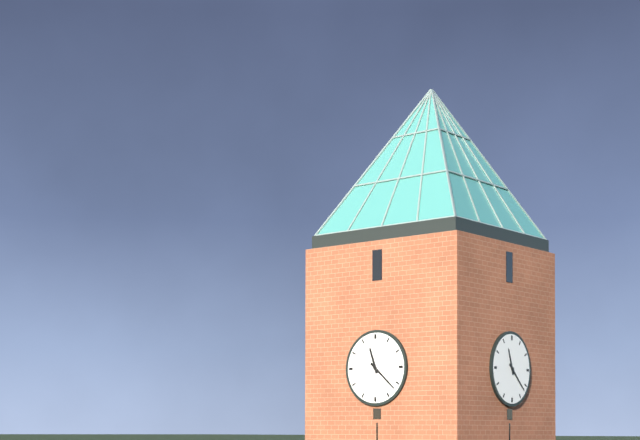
11:22
